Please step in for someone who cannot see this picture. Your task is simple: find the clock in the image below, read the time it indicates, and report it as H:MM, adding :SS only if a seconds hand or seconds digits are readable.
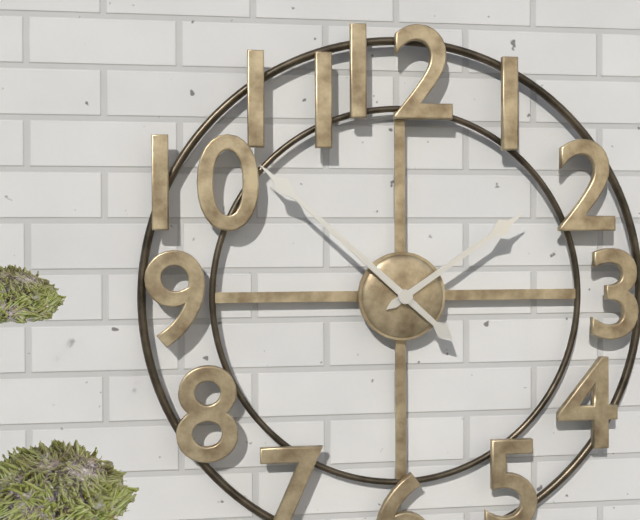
1:52
